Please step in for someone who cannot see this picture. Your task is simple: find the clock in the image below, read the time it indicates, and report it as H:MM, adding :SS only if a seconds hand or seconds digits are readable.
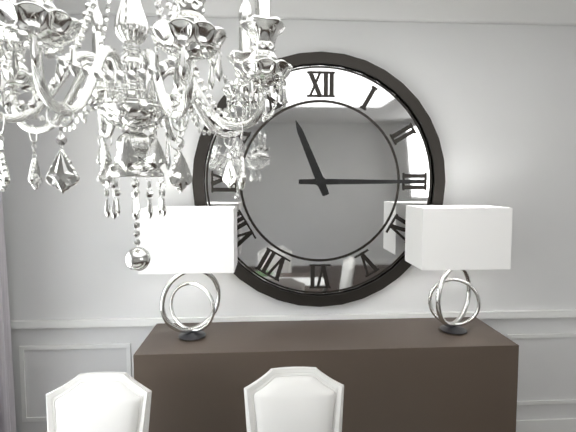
11:15
